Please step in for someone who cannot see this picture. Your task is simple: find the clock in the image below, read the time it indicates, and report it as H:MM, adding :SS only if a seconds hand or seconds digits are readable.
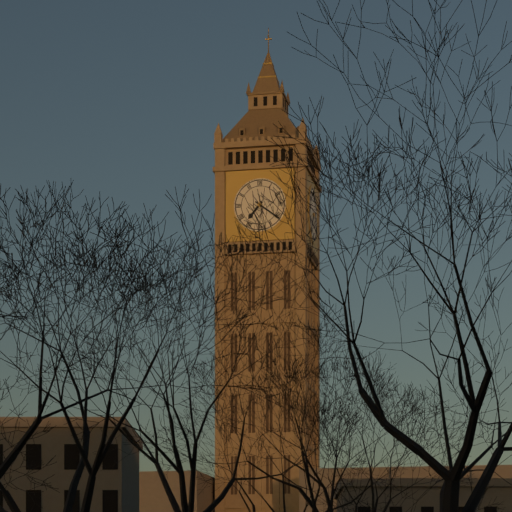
7:21
